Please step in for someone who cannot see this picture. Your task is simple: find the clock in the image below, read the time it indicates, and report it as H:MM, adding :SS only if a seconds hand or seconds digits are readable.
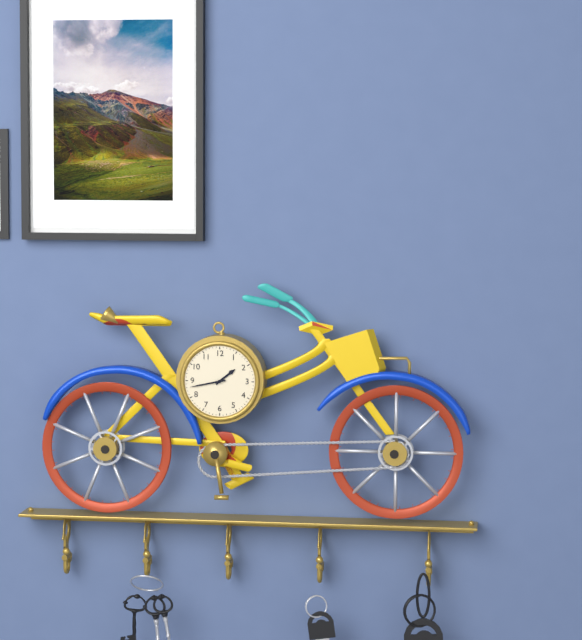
1:43
